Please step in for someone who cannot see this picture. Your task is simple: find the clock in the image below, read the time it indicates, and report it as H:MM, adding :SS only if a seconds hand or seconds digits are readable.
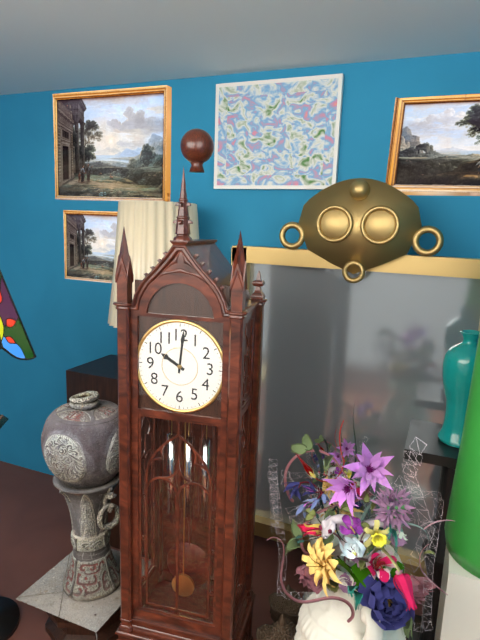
10:01
